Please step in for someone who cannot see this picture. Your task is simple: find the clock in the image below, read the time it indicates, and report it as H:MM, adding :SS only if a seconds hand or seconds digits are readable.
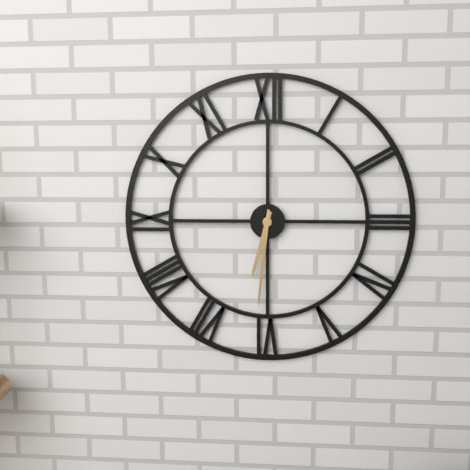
6:31
